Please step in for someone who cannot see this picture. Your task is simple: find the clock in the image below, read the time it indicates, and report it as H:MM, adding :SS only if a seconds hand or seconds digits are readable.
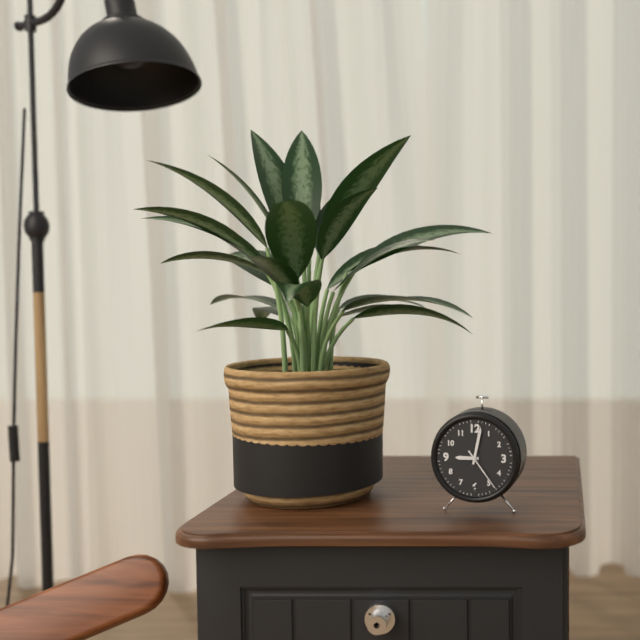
9:02
